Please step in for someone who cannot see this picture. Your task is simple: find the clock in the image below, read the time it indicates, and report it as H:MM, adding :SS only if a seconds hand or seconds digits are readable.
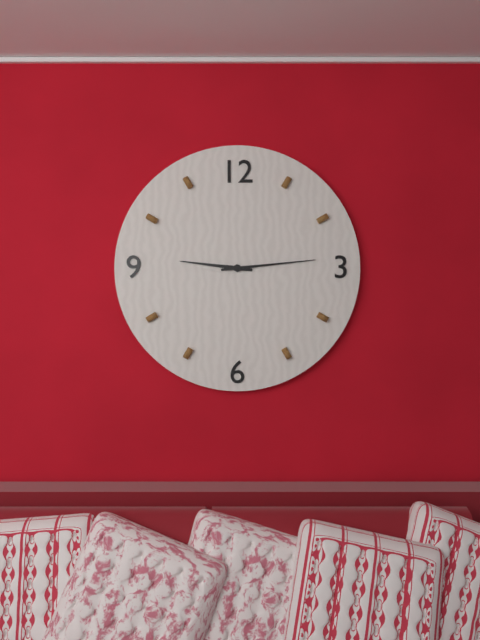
9:14
